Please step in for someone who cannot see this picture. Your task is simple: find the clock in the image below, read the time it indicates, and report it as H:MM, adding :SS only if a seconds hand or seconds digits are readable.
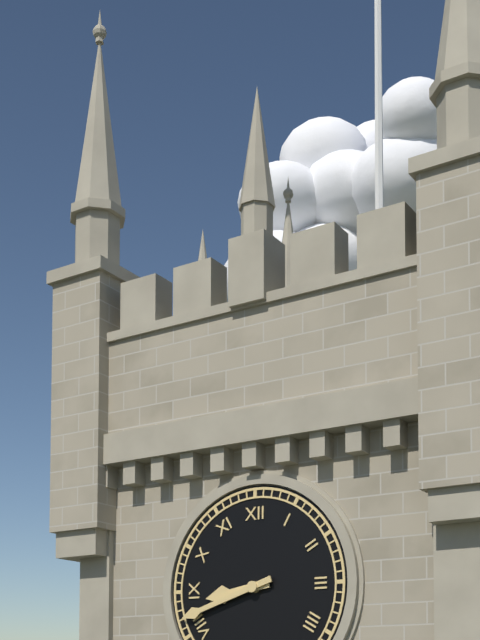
8:42
